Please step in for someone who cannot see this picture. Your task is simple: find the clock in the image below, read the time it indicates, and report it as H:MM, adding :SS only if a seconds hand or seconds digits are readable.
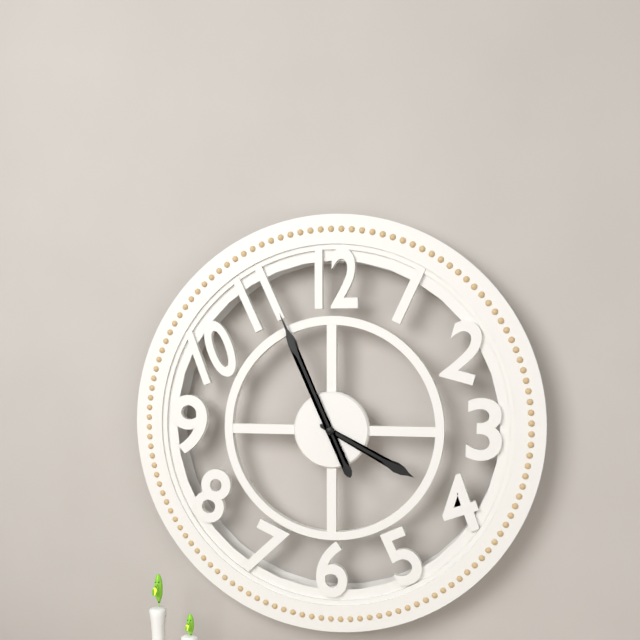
3:56
